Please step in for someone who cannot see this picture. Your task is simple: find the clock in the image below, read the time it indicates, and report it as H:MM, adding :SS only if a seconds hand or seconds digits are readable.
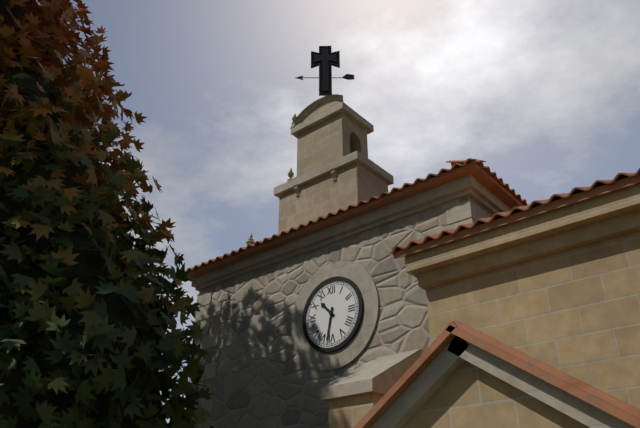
10:32
